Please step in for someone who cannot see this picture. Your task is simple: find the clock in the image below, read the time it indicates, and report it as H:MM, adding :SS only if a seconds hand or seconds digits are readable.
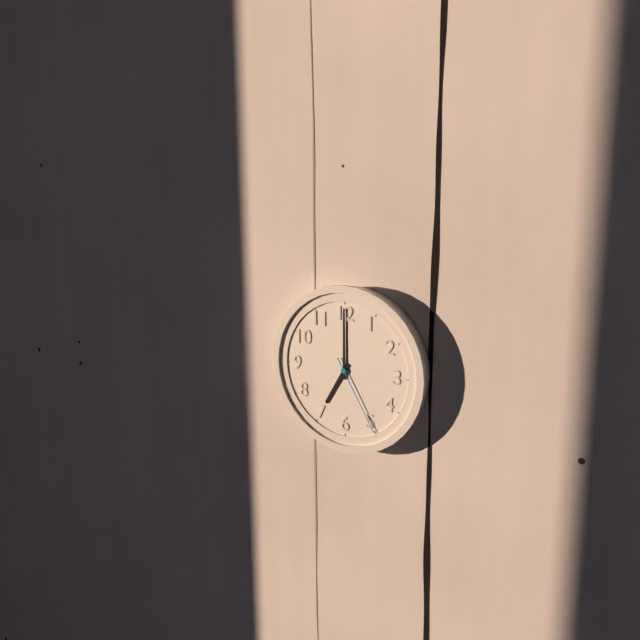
7:00:25
